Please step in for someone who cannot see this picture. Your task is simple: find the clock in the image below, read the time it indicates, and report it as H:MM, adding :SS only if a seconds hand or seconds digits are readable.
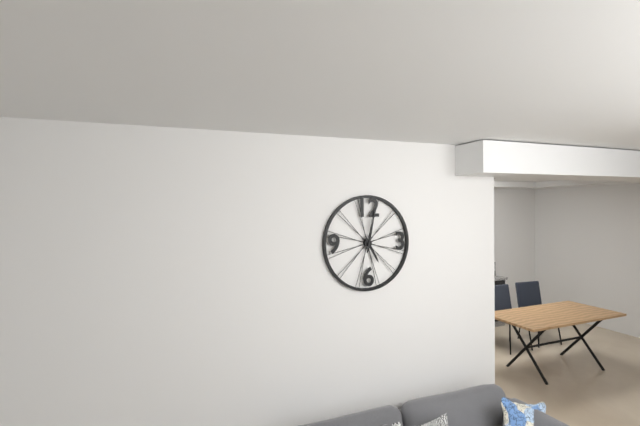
5:02
